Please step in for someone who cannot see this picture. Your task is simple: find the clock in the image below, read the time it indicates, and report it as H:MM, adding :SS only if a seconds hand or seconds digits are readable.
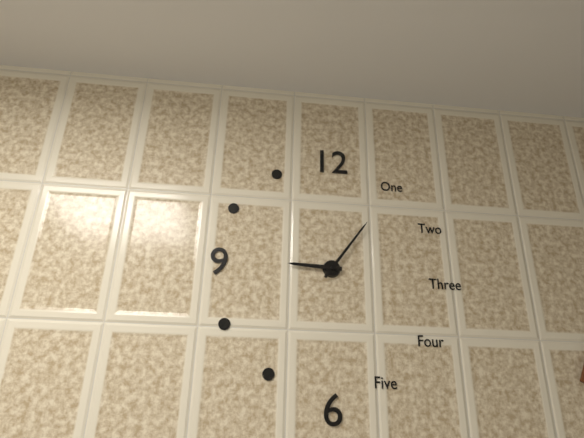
9:06
